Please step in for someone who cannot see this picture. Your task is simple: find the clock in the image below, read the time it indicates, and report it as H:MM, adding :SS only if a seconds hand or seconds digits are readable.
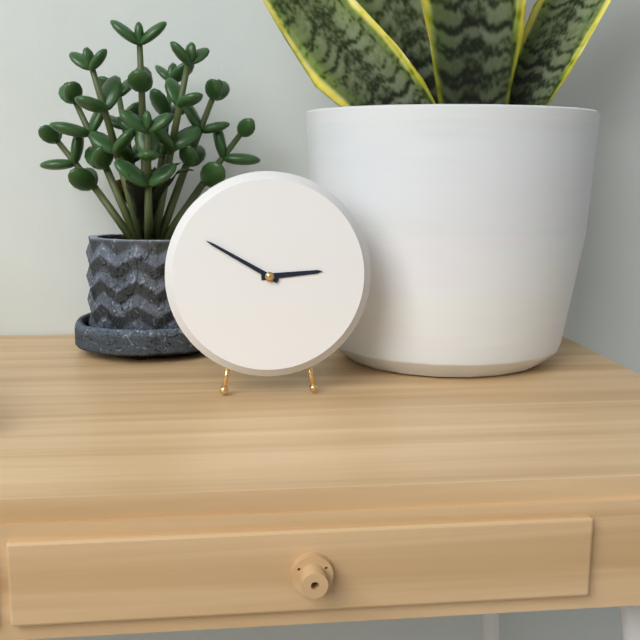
2:50
